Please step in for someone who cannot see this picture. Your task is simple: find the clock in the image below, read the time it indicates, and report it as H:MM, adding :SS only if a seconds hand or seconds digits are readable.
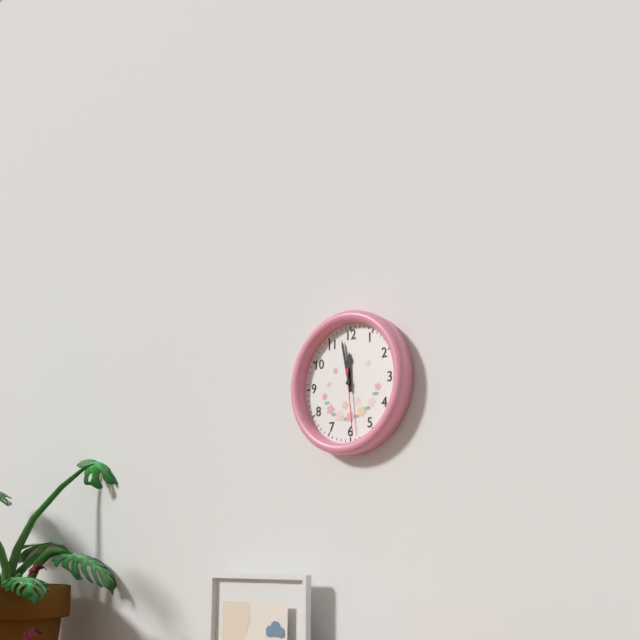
11:58:29
